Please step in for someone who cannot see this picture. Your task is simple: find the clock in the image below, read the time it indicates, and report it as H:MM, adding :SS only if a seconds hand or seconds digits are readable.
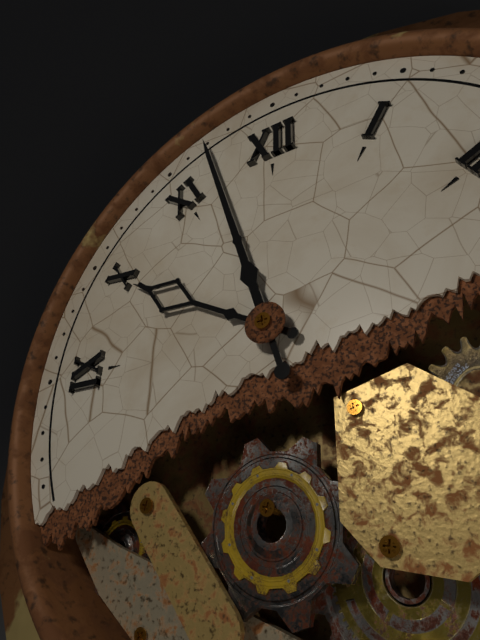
9:57
